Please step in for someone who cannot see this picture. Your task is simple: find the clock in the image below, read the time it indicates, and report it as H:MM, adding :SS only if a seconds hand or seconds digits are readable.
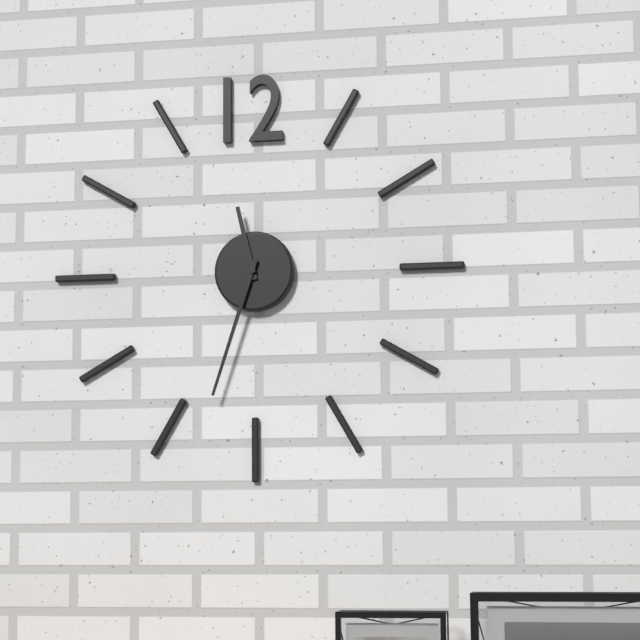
11:33
